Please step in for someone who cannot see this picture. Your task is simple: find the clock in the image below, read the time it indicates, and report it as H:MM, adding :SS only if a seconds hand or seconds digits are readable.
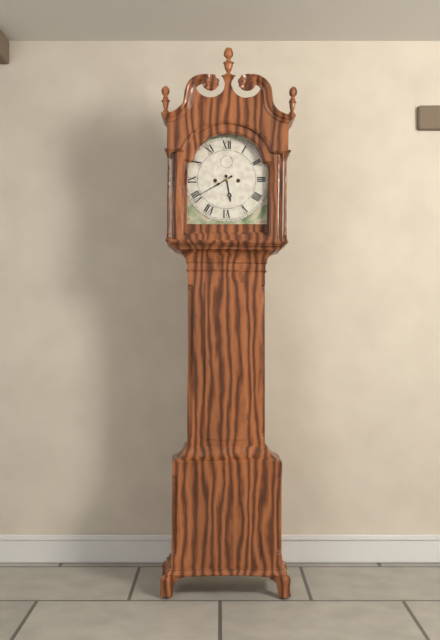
5:40
